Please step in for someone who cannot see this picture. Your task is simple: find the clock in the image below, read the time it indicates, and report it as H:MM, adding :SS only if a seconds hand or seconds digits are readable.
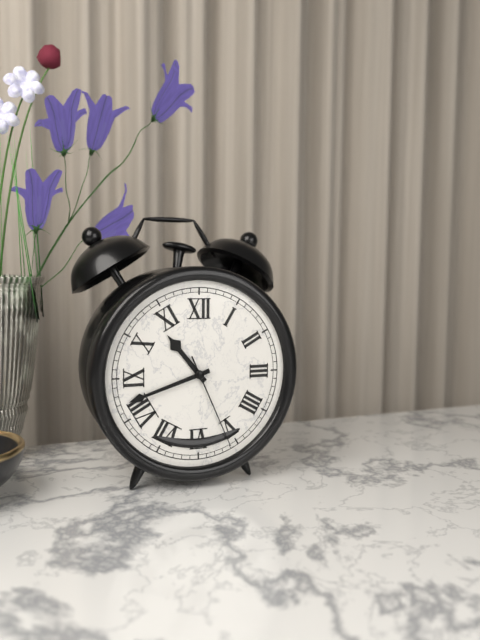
10:42:26
